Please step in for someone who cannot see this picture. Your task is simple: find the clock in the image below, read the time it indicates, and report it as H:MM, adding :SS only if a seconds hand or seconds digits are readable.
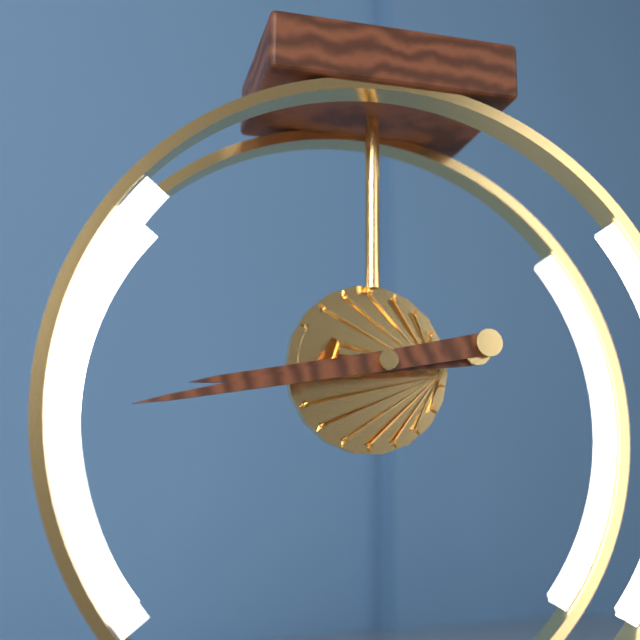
8:43
